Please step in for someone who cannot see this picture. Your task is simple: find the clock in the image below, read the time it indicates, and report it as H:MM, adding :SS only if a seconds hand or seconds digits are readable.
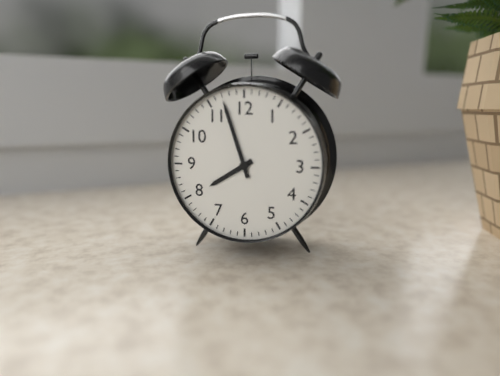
7:57
